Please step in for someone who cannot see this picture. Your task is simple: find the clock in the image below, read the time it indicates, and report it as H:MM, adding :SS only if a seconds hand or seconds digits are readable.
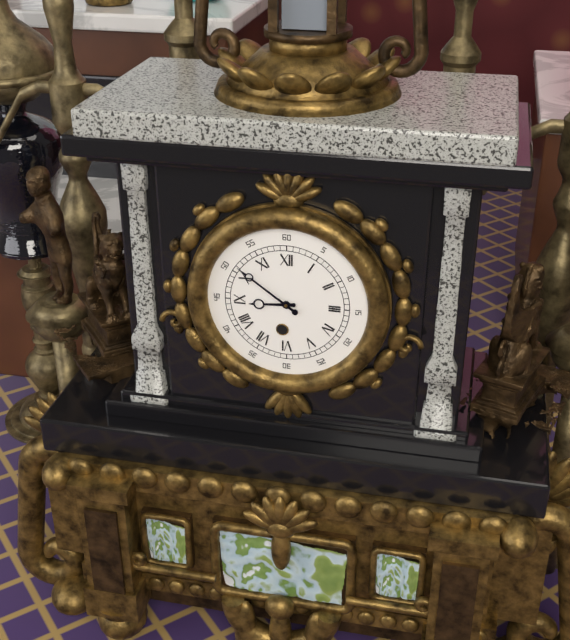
8:51
